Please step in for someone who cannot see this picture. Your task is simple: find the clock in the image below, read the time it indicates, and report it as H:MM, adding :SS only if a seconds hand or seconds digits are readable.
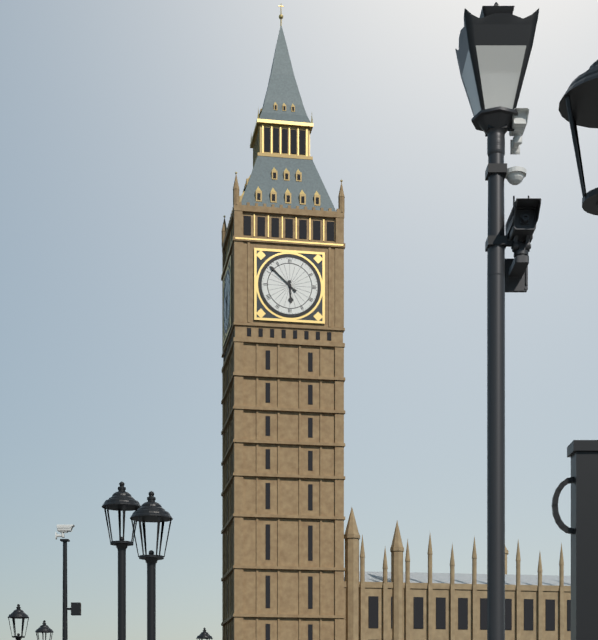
5:52
